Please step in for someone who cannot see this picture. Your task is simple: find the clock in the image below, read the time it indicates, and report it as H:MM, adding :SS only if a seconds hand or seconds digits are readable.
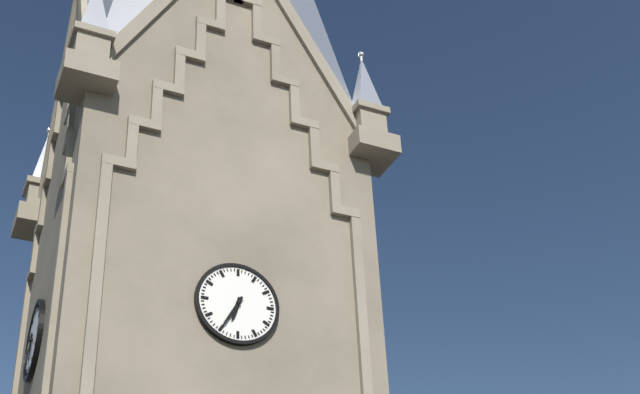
6:35
